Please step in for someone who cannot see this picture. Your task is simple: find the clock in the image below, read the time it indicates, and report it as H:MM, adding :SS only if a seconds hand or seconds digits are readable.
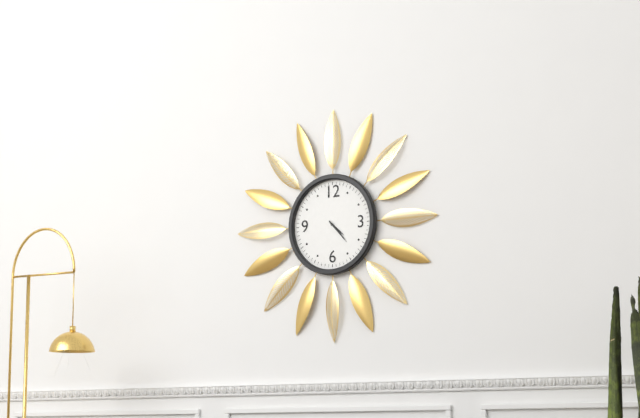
4:23
